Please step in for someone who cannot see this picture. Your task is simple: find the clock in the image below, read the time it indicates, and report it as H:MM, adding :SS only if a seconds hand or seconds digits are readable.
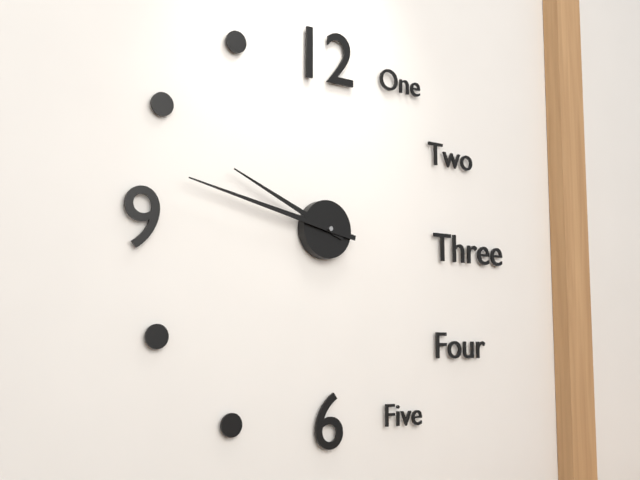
9:47
